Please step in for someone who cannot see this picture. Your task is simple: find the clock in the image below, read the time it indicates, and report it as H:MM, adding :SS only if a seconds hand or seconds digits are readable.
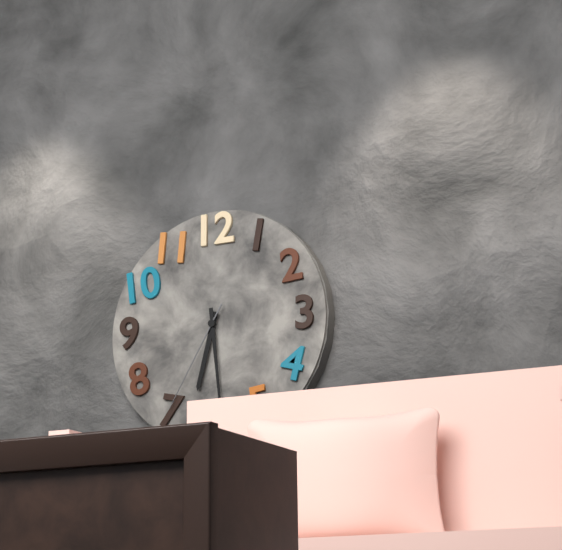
6:29:35
